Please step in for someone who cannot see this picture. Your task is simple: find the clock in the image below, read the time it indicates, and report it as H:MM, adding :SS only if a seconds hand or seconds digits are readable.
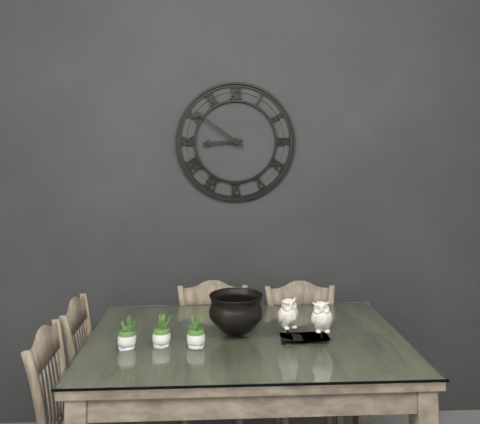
8:51
